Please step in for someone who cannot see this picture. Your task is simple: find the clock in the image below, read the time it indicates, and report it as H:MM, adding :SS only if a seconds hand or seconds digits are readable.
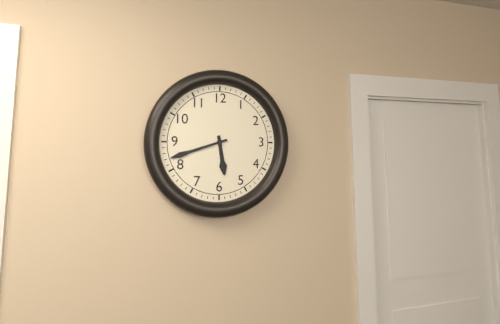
5:42
